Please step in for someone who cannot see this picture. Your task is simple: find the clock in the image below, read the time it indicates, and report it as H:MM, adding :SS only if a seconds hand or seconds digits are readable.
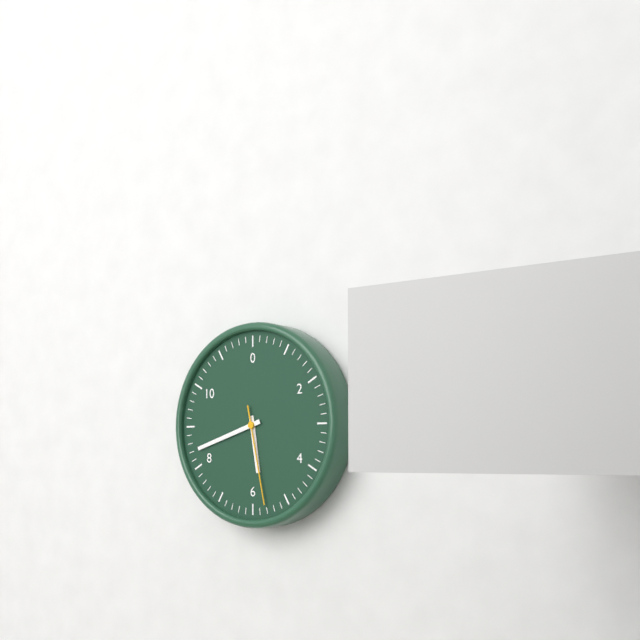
5:42:28
